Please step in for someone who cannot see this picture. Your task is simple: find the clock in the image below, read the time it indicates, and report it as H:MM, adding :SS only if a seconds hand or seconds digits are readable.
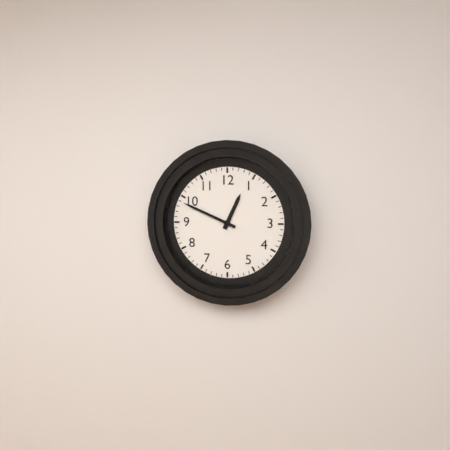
12:49
